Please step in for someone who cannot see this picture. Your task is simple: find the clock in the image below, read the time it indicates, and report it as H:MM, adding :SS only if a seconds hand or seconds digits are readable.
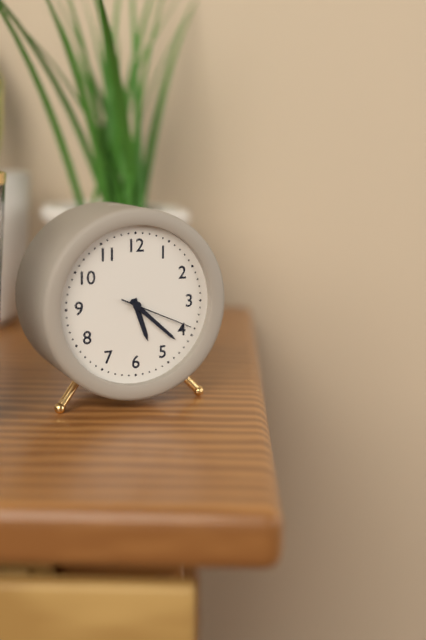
5:22:19
